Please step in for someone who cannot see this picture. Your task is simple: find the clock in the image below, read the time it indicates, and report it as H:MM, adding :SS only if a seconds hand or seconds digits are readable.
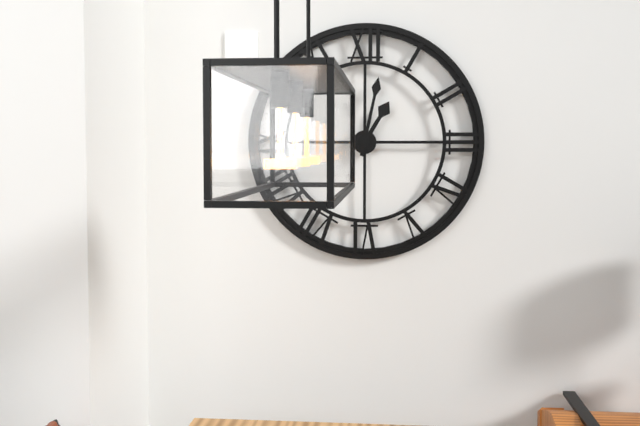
1:02
